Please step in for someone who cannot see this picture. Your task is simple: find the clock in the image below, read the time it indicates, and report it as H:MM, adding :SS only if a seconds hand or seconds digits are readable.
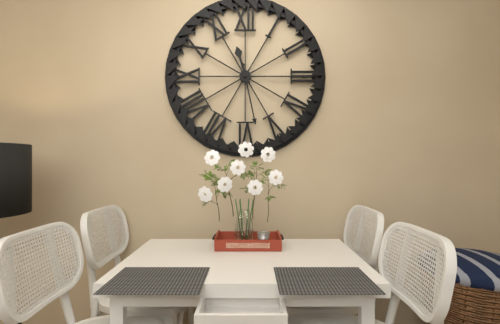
11:28
